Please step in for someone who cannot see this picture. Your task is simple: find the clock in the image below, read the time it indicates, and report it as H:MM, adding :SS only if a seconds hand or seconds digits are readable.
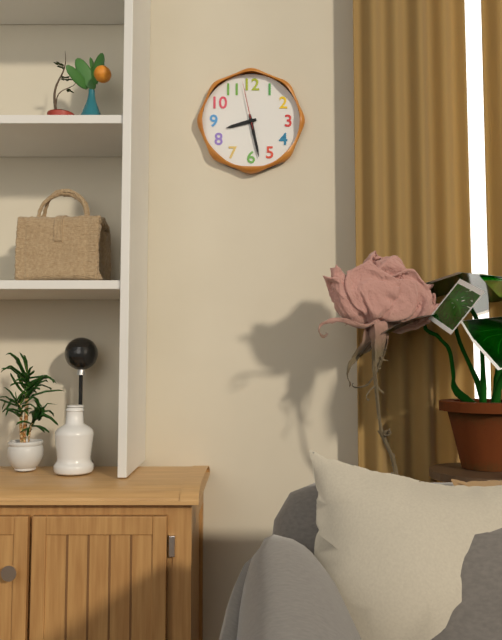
8:28:58
